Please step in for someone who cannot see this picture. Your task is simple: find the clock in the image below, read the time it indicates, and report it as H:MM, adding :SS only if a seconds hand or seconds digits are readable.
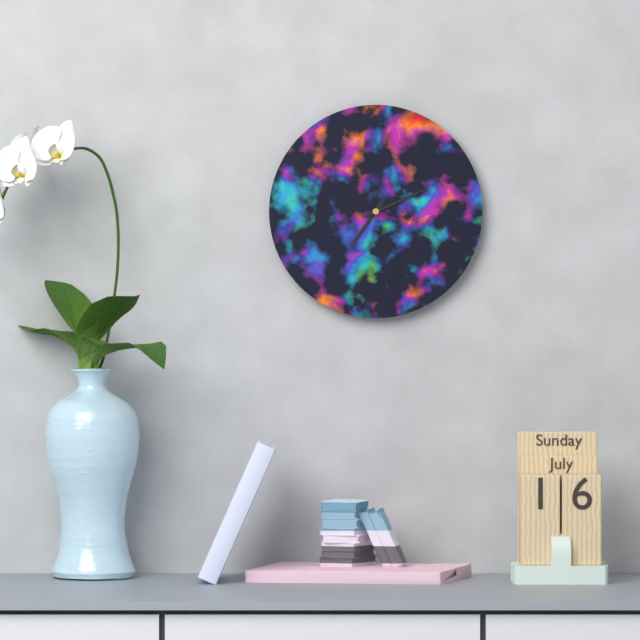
7:11
